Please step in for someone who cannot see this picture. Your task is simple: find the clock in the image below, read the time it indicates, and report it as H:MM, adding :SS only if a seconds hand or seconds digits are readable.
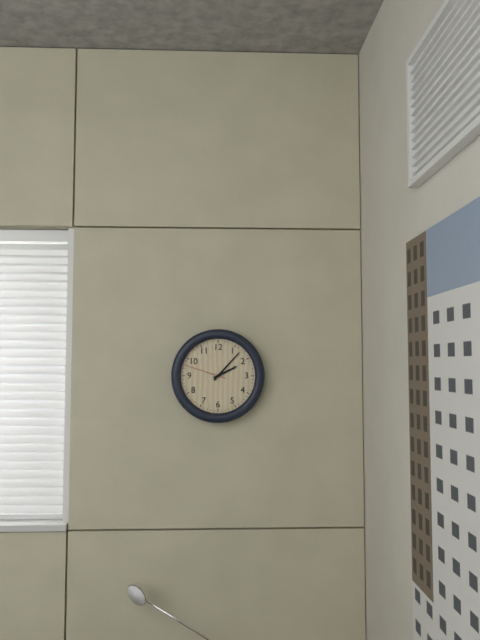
2:07
